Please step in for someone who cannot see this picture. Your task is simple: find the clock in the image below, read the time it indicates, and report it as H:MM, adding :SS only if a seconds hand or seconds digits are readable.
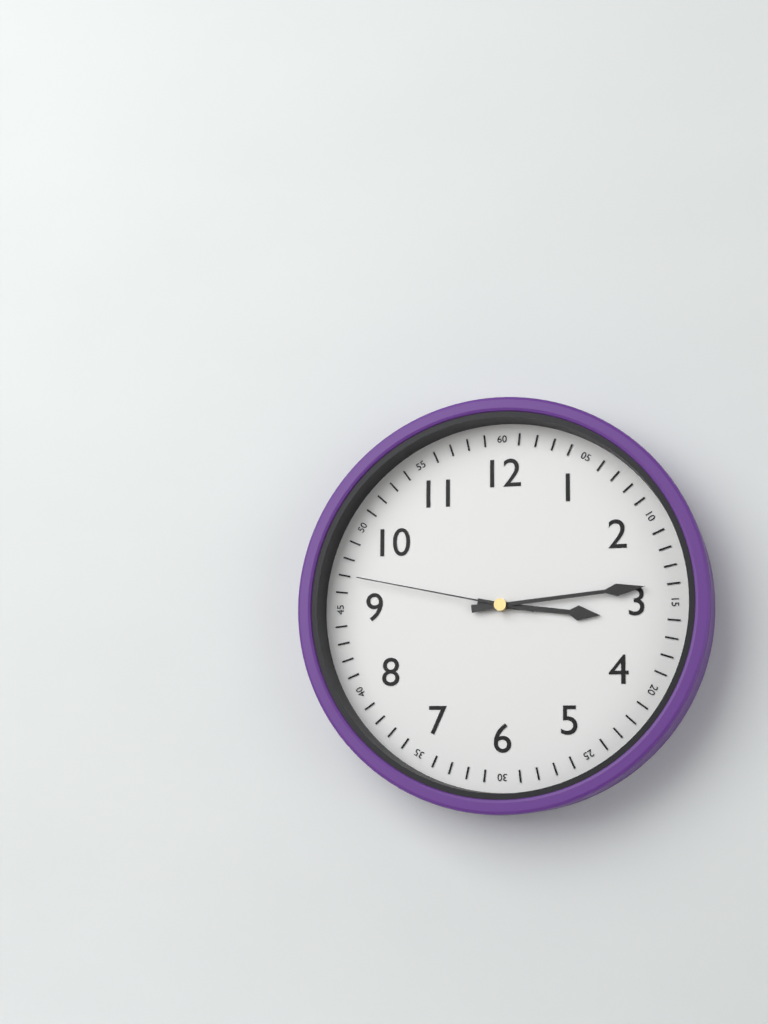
3:14:47
